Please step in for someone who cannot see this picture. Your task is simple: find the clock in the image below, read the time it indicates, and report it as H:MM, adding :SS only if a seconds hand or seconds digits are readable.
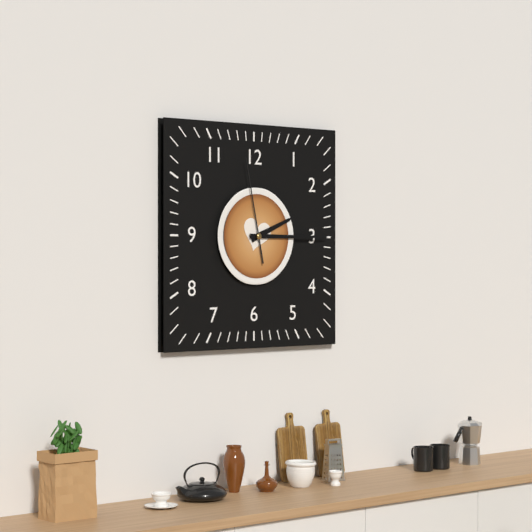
2:15:58
